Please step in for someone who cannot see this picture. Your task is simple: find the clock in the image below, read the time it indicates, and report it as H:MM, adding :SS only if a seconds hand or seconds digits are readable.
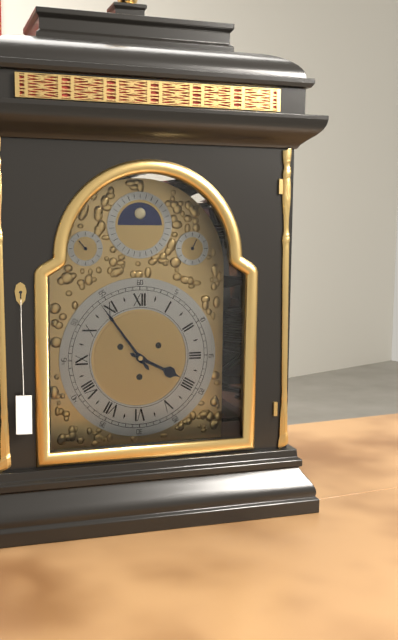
3:54
